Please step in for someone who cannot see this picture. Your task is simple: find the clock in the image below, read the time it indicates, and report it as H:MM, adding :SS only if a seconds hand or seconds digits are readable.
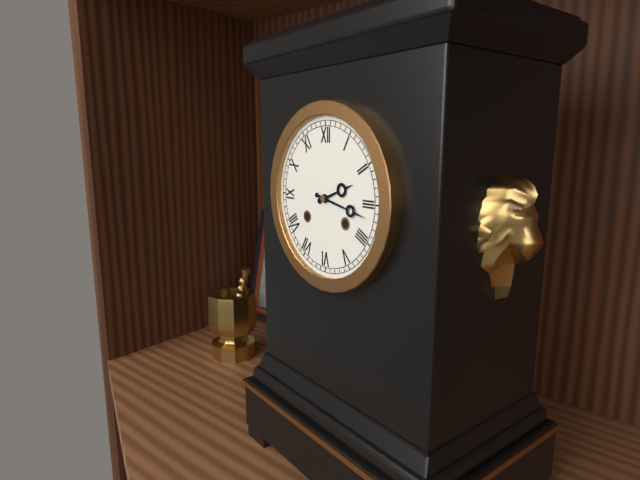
2:17
